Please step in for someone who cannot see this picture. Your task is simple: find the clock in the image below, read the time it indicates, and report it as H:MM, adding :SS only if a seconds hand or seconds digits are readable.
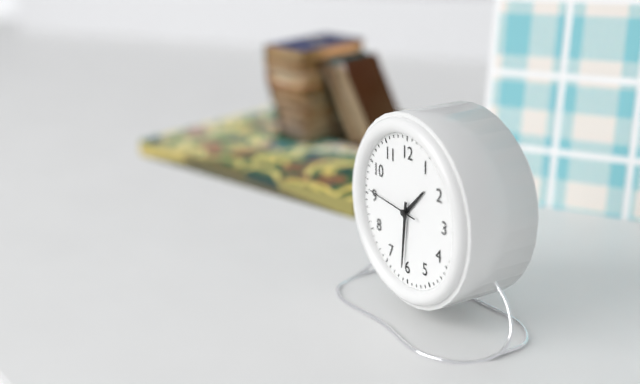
1:31:46
